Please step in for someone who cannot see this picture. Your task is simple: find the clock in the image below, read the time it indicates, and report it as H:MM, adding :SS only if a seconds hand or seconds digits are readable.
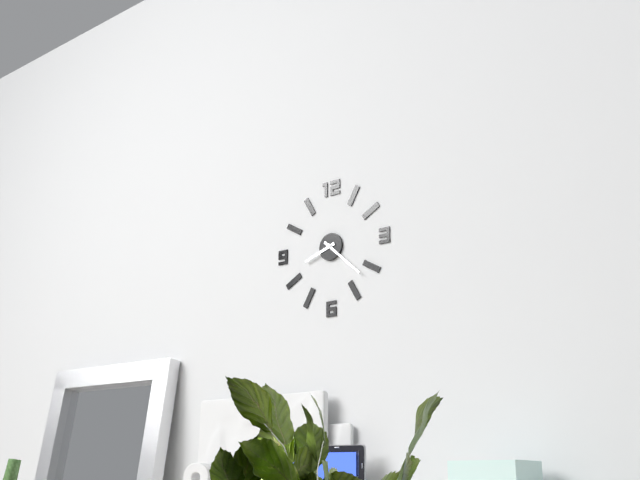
8:22
